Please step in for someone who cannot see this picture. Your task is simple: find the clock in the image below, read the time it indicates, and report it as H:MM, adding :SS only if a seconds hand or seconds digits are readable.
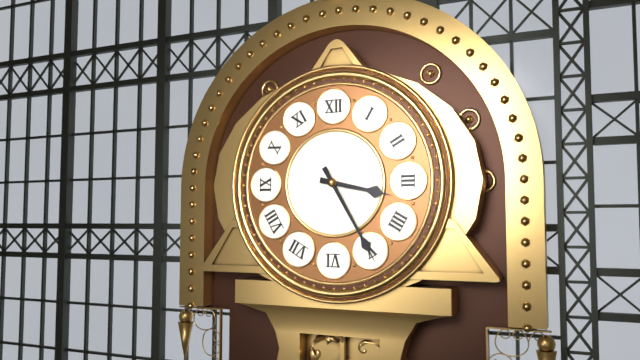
3:25
